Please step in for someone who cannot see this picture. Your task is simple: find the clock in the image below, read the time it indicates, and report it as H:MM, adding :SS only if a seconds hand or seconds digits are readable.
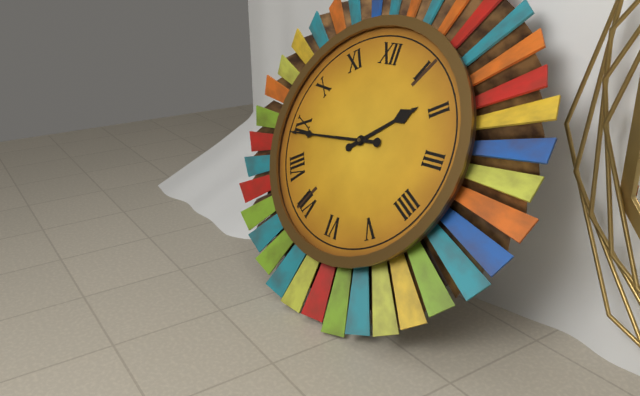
1:44
